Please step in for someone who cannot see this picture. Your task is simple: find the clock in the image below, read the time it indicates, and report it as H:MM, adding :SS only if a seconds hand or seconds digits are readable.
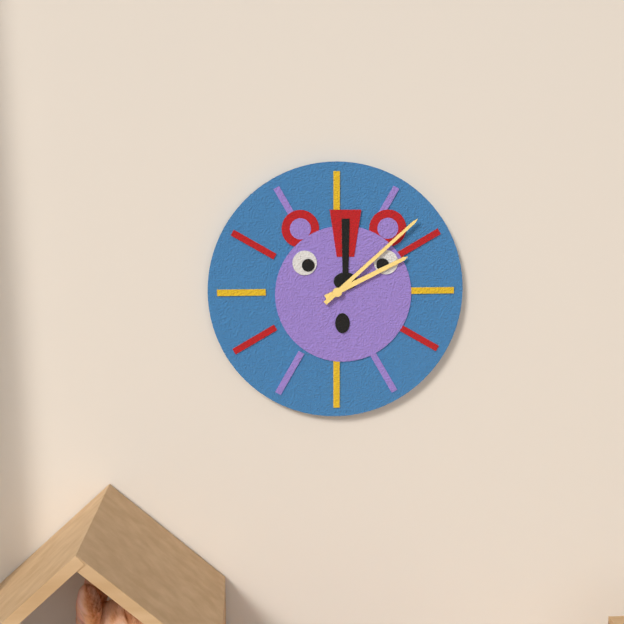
2:08
